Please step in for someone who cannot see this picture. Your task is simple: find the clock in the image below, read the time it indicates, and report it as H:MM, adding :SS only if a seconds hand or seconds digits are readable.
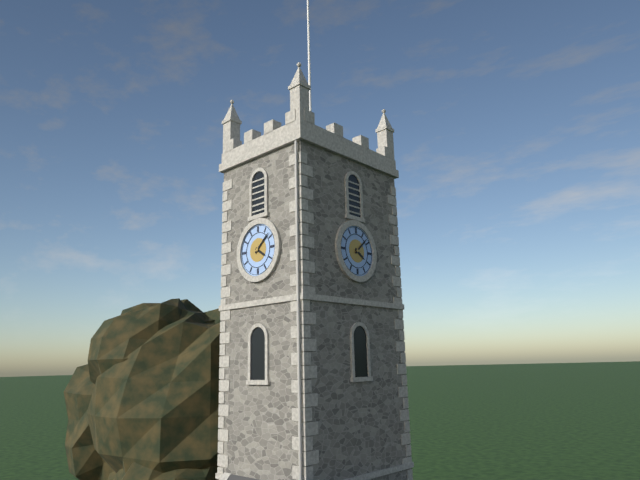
4:08
